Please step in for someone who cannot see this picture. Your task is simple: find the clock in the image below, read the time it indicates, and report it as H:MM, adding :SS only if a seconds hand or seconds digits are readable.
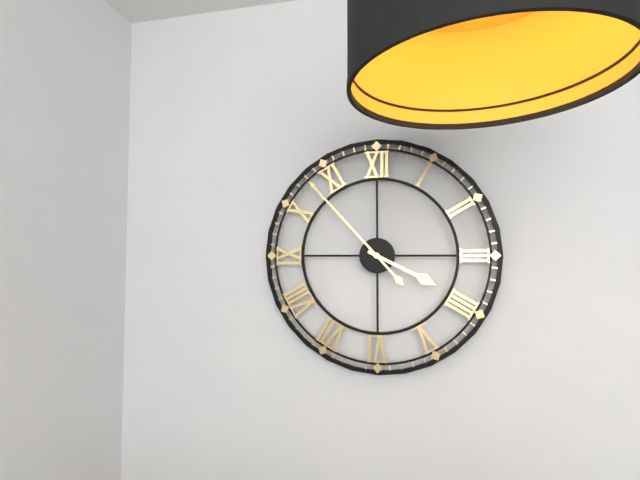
3:53
